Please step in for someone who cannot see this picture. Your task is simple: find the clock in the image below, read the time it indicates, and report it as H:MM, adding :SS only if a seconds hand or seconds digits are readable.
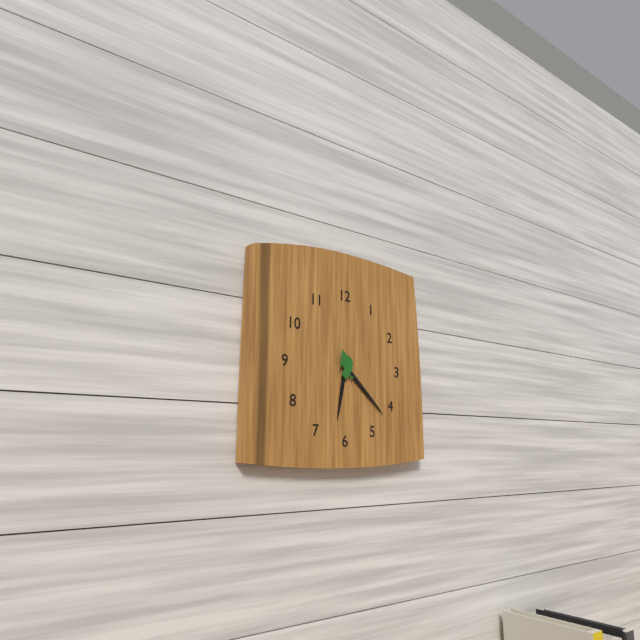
6:22
